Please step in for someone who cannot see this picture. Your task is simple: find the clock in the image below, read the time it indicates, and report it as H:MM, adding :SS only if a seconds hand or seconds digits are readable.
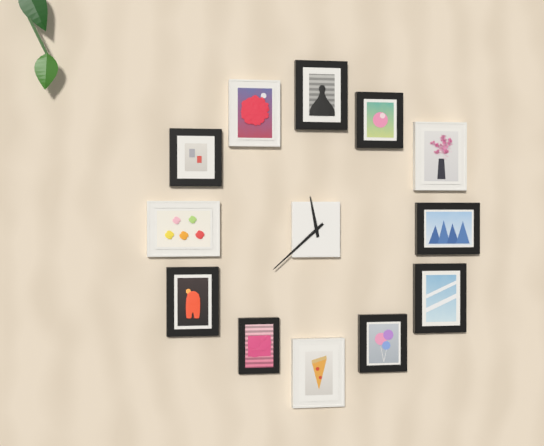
11:38
